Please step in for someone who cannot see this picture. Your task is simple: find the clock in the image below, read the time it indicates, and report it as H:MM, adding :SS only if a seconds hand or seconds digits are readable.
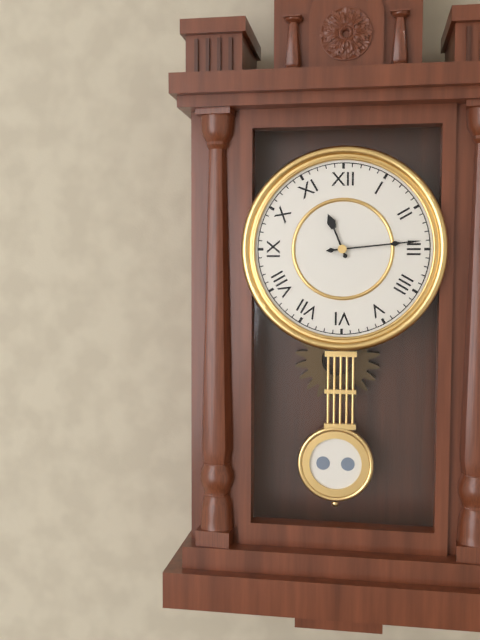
11:14
